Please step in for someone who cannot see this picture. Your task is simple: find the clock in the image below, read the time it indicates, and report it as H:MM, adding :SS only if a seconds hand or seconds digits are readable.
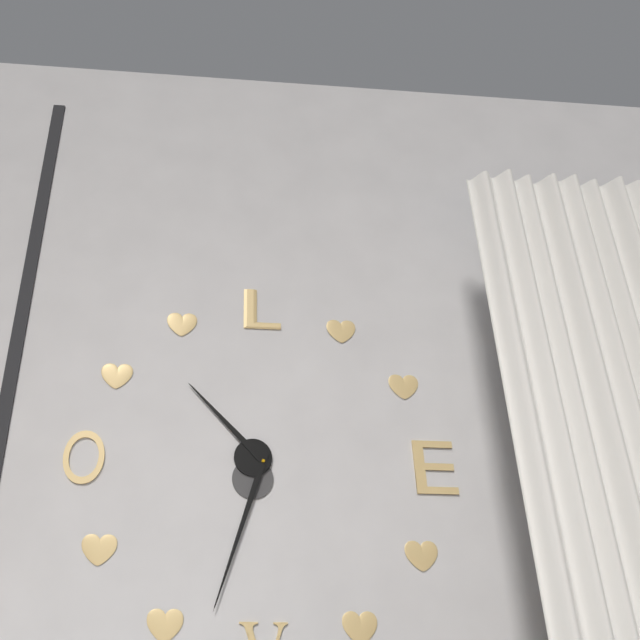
10:33
